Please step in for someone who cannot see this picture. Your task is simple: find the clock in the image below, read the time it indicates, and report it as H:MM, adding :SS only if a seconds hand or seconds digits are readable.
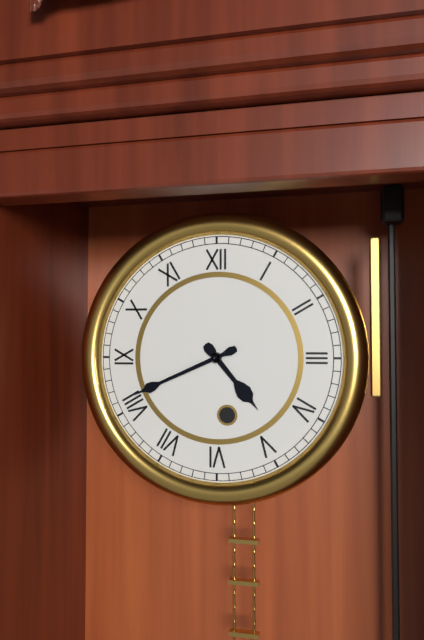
4:41
